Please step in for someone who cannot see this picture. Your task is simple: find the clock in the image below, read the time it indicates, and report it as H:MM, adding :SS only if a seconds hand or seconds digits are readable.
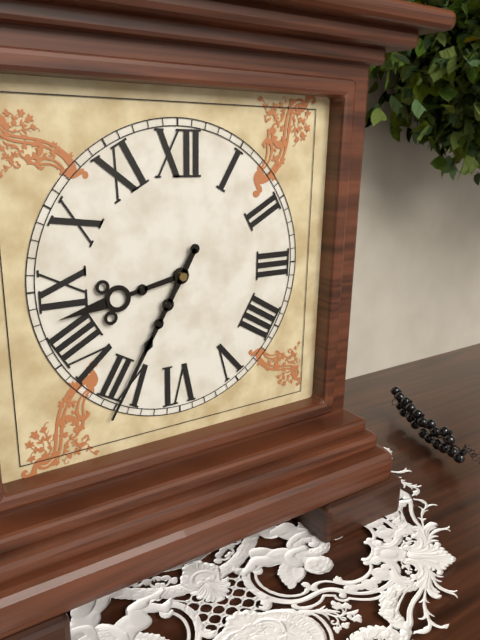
8:35
